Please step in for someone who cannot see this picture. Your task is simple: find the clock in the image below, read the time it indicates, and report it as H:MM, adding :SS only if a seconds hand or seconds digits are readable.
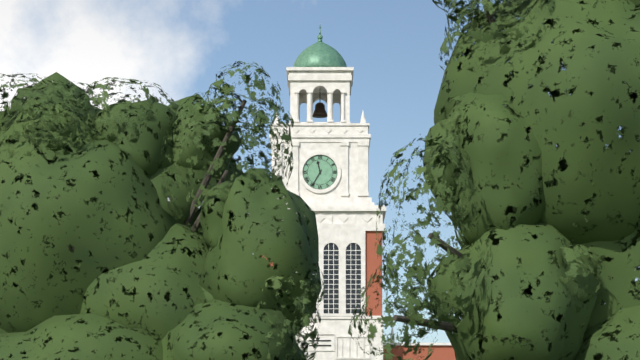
11:35
